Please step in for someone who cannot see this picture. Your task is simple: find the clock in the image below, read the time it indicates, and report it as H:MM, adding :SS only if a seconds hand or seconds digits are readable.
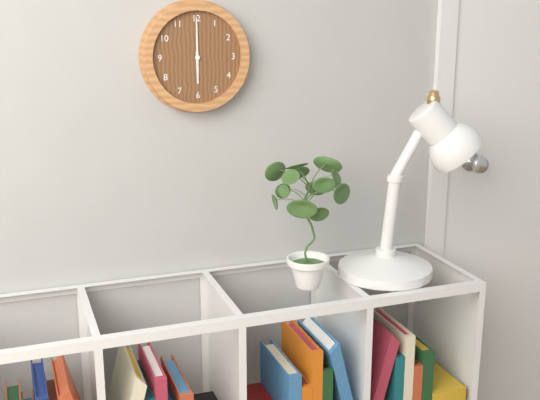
6:00
